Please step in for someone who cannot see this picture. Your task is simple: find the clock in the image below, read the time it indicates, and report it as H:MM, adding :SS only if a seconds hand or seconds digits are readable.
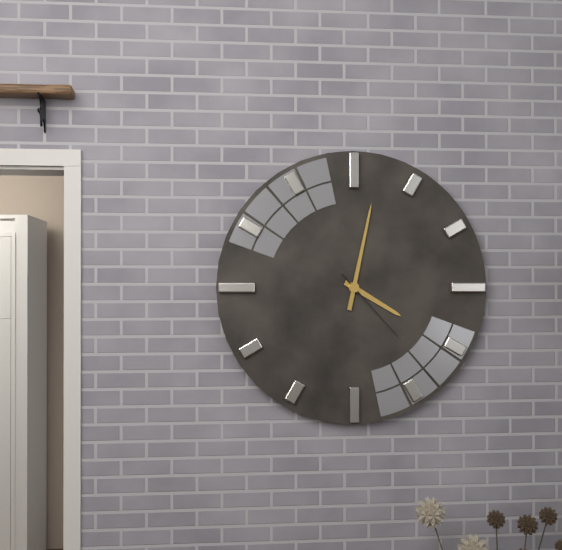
4:02:23
